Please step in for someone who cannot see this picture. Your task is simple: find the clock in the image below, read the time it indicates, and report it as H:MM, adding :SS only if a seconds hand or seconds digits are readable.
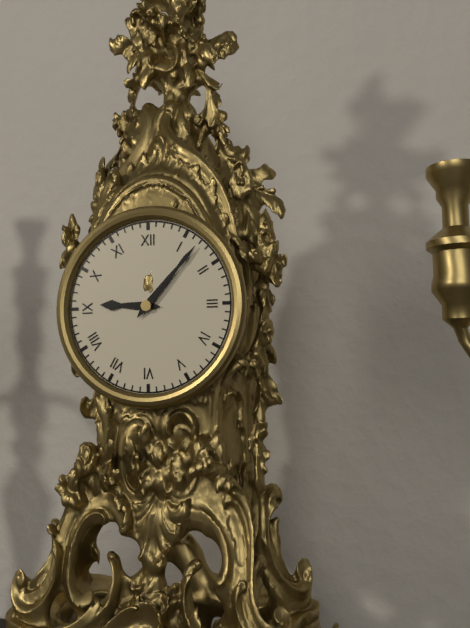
9:07
